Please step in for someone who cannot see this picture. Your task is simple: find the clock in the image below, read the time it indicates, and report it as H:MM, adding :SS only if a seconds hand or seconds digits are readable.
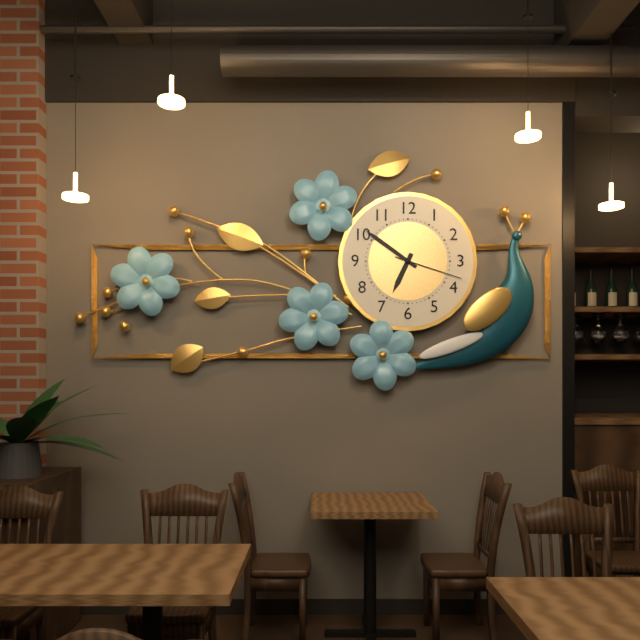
6:51:18
